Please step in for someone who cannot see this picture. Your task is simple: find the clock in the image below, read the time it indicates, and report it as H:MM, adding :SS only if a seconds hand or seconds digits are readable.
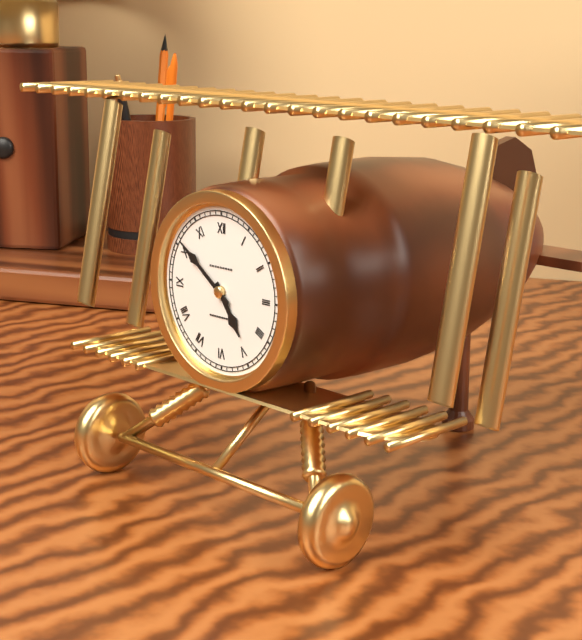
4:51
